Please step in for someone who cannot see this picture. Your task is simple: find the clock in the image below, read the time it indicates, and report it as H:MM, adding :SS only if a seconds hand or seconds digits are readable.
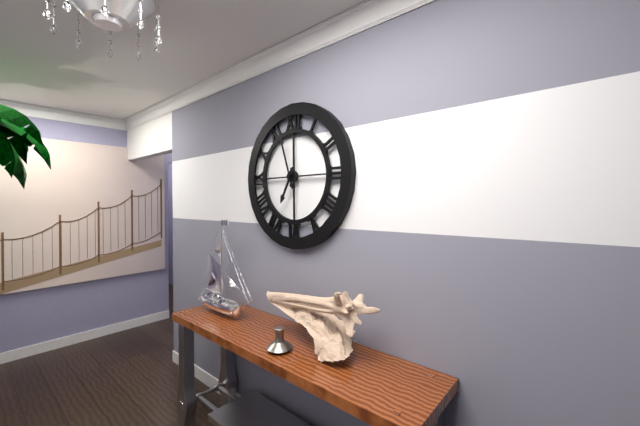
6:57
